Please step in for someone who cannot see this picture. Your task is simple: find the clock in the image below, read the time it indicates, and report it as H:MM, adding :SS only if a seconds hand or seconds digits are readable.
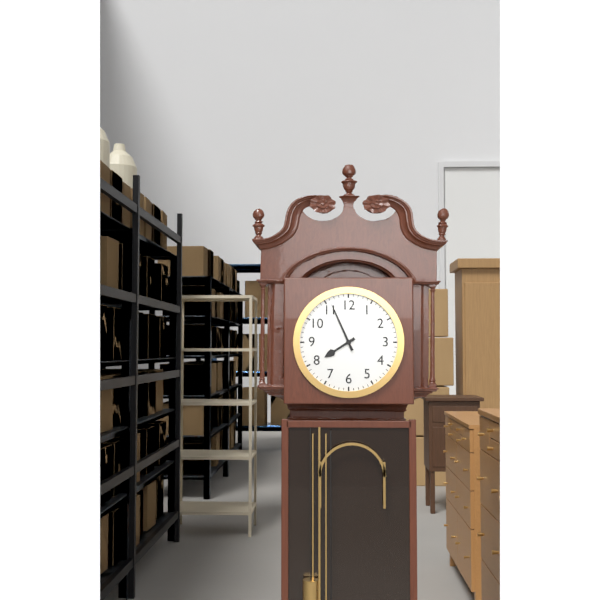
7:56
